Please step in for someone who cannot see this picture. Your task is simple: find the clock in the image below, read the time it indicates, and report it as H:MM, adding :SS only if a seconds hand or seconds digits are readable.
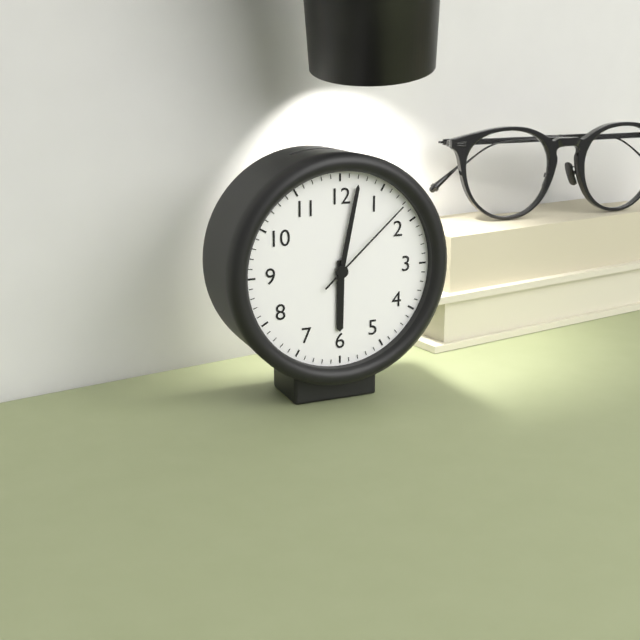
6:02:08
